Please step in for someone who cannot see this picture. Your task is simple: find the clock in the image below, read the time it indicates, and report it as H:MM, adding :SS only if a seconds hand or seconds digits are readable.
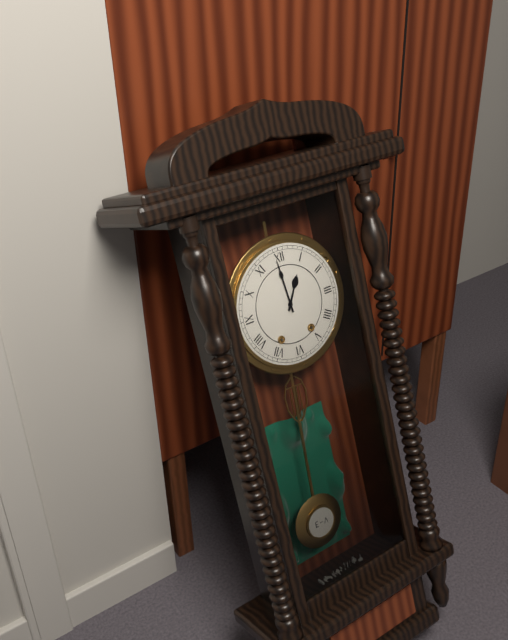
12:59
